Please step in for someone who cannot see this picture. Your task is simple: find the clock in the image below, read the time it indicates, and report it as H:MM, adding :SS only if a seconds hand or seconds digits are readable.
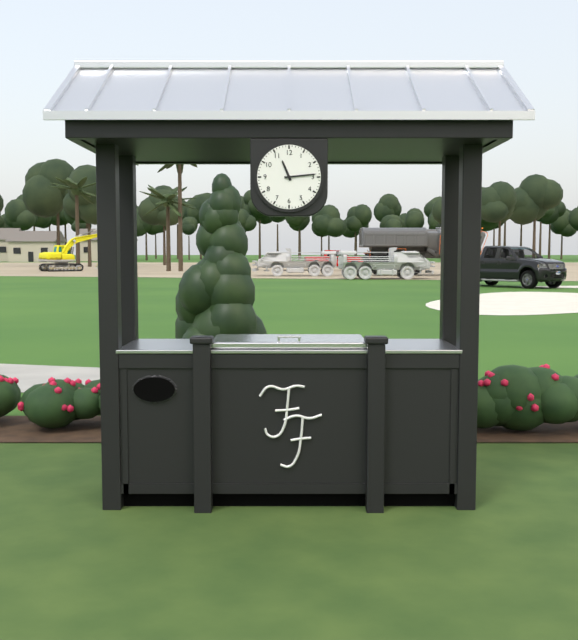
11:14
